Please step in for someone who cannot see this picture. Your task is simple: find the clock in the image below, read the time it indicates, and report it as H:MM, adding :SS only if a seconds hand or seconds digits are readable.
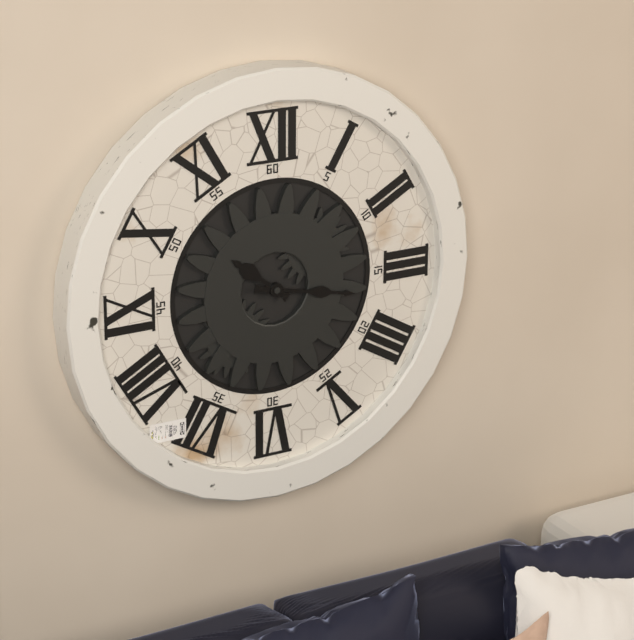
10:17
